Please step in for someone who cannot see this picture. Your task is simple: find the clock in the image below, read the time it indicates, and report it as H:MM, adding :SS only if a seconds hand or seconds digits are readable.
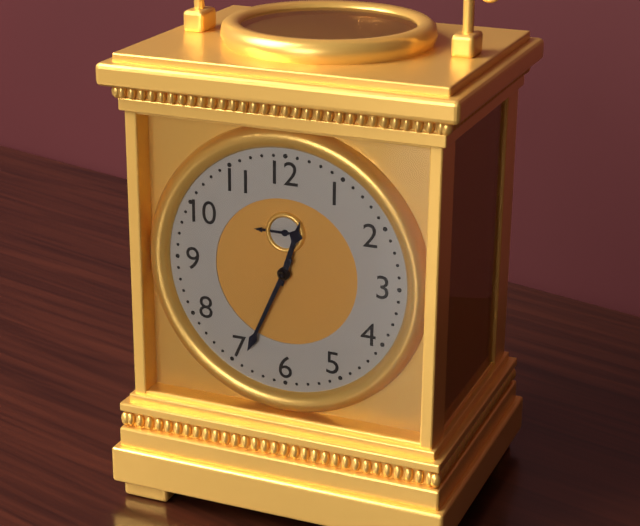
12:34
